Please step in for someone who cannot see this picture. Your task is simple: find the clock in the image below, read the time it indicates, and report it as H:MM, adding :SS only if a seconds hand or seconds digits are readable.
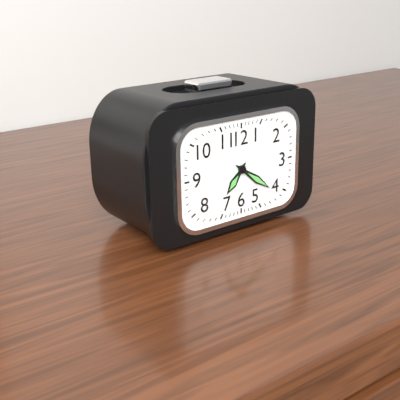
7:21
